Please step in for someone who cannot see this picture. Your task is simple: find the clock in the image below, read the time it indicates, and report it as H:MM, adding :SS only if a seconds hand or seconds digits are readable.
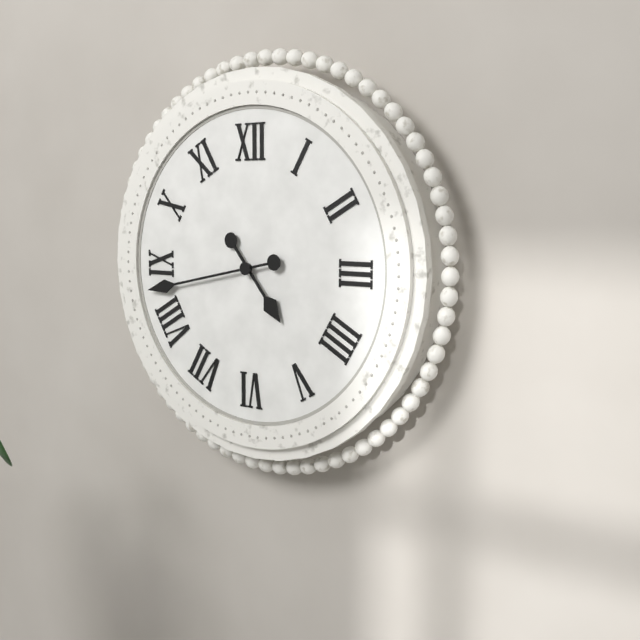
4:43
